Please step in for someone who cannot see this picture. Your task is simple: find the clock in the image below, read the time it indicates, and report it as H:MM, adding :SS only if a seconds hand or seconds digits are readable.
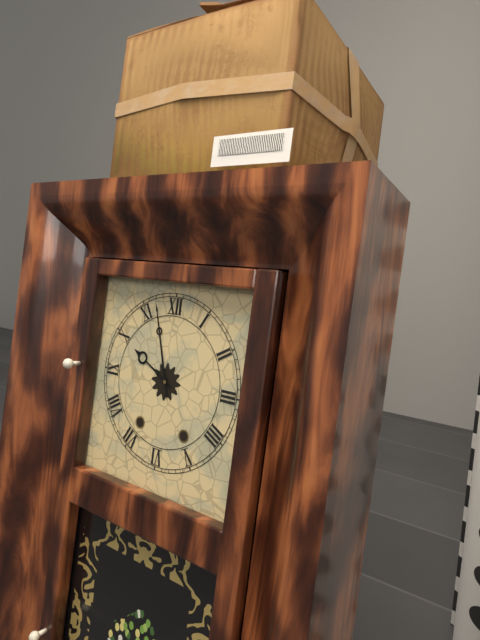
9:57
